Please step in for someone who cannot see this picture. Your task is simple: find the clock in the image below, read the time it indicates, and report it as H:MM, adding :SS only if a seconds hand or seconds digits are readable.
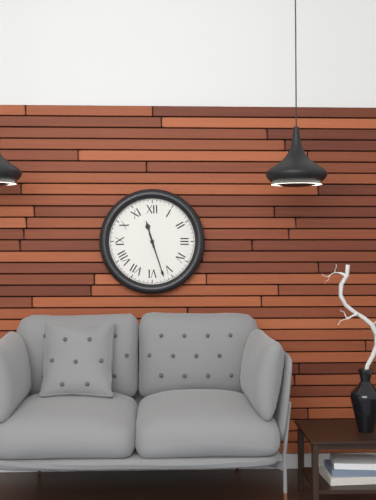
11:27
